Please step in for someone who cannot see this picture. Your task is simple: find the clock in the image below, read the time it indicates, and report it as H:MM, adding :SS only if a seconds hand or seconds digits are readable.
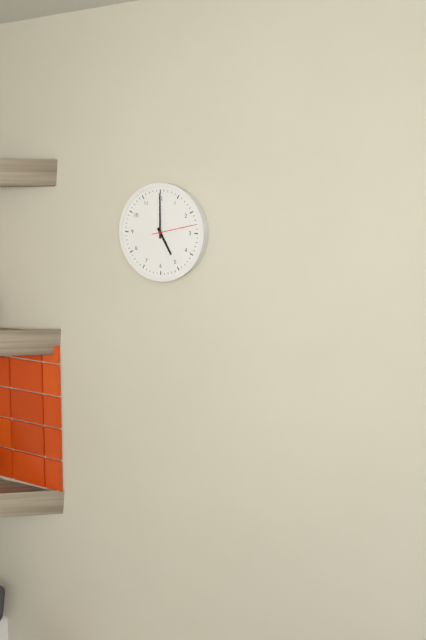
5:00
